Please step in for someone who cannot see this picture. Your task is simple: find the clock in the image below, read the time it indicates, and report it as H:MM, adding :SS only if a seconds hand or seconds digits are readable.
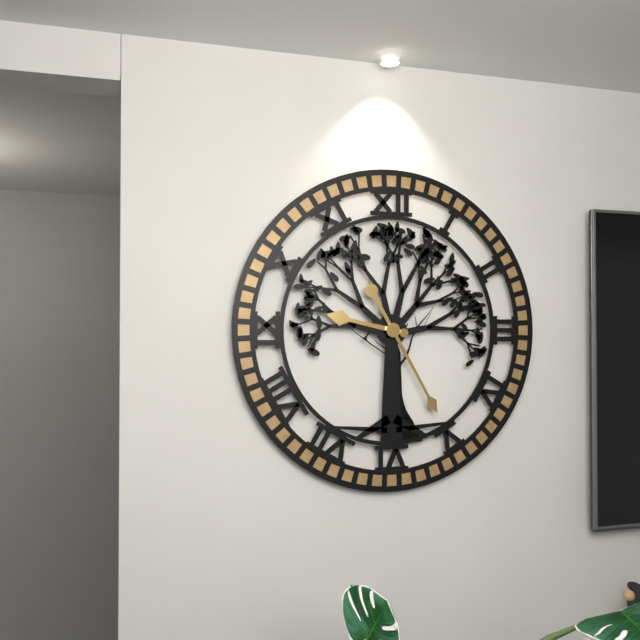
9:25
